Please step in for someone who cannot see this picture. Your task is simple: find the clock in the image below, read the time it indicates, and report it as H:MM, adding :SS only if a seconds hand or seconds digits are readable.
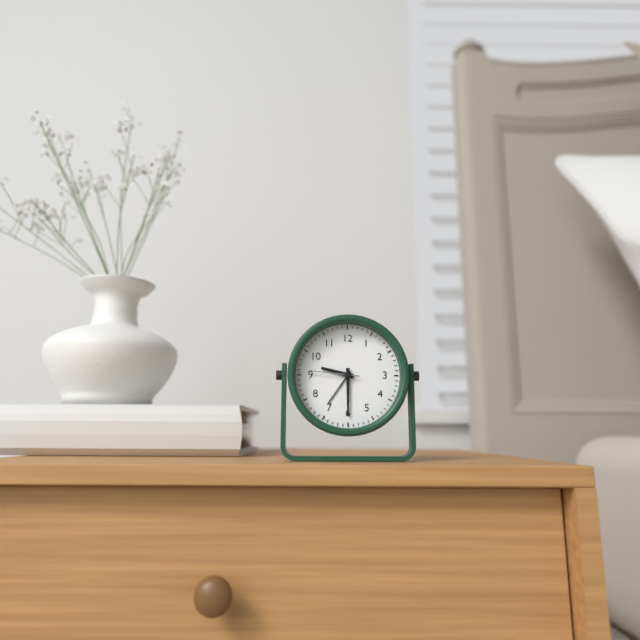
9:30
